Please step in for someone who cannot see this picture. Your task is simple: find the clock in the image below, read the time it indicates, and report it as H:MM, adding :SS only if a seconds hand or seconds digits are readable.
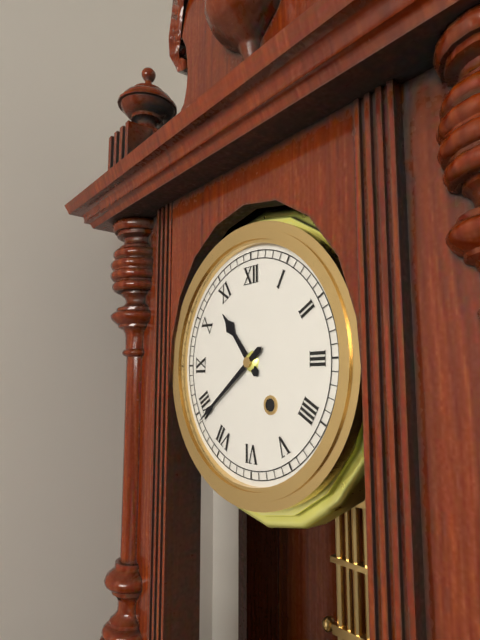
10:39
